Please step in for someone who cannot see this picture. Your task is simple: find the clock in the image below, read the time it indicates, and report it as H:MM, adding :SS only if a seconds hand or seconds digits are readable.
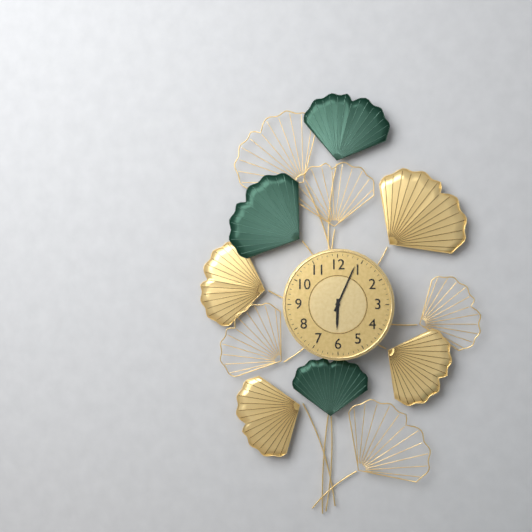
6:04
